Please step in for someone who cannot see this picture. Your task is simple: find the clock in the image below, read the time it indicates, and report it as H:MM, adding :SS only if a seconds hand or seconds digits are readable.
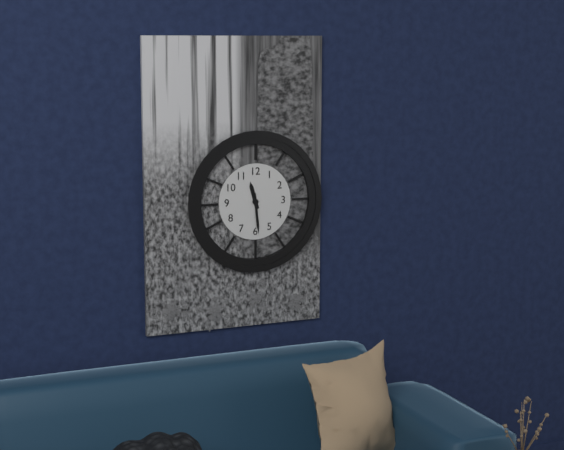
11:29
